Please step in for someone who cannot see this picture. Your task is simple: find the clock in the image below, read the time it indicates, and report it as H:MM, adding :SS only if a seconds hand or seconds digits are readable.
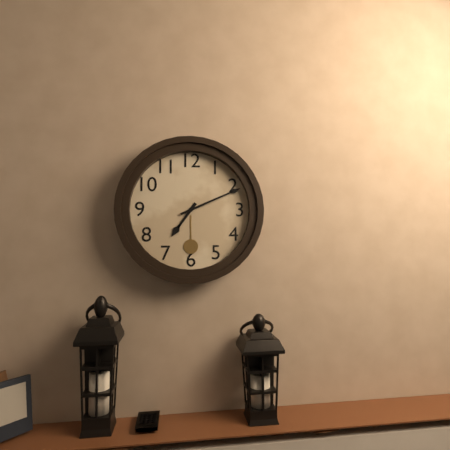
7:11
